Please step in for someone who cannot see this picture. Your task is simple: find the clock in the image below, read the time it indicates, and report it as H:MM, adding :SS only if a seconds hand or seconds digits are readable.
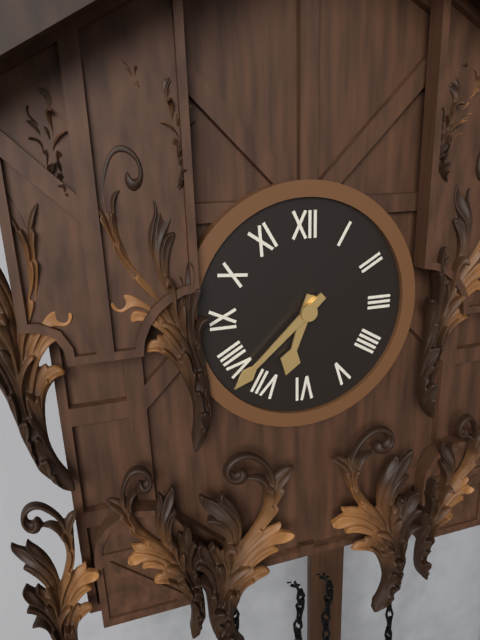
6:38
